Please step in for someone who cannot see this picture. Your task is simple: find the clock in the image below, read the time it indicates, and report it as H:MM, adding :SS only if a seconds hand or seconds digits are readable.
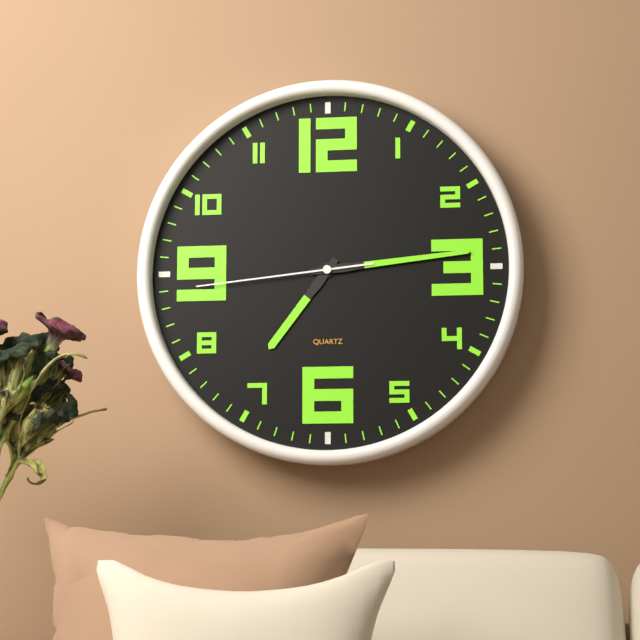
7:14:44
